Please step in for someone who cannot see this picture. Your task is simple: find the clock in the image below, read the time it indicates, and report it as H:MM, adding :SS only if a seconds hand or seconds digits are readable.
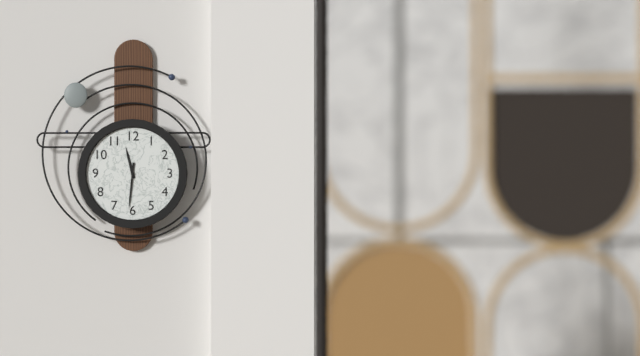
11:31
